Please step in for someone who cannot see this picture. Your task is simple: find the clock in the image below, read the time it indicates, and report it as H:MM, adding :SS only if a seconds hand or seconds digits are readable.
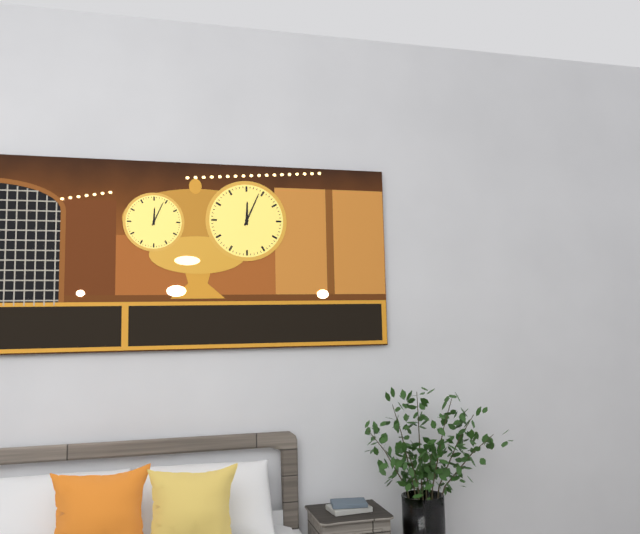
12:04
